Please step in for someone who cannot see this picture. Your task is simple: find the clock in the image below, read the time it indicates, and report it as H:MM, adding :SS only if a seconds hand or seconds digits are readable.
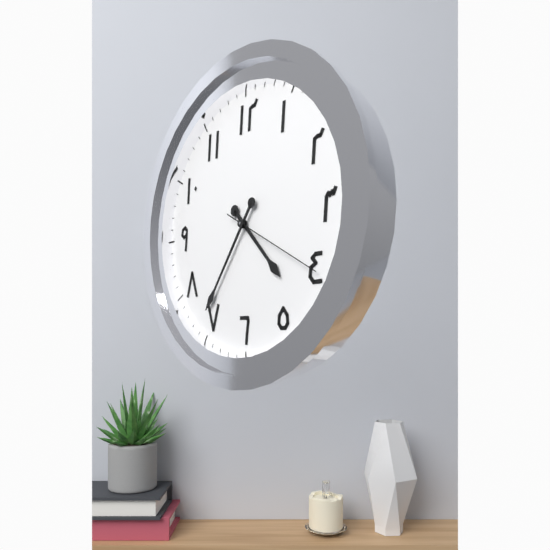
4:36:20
